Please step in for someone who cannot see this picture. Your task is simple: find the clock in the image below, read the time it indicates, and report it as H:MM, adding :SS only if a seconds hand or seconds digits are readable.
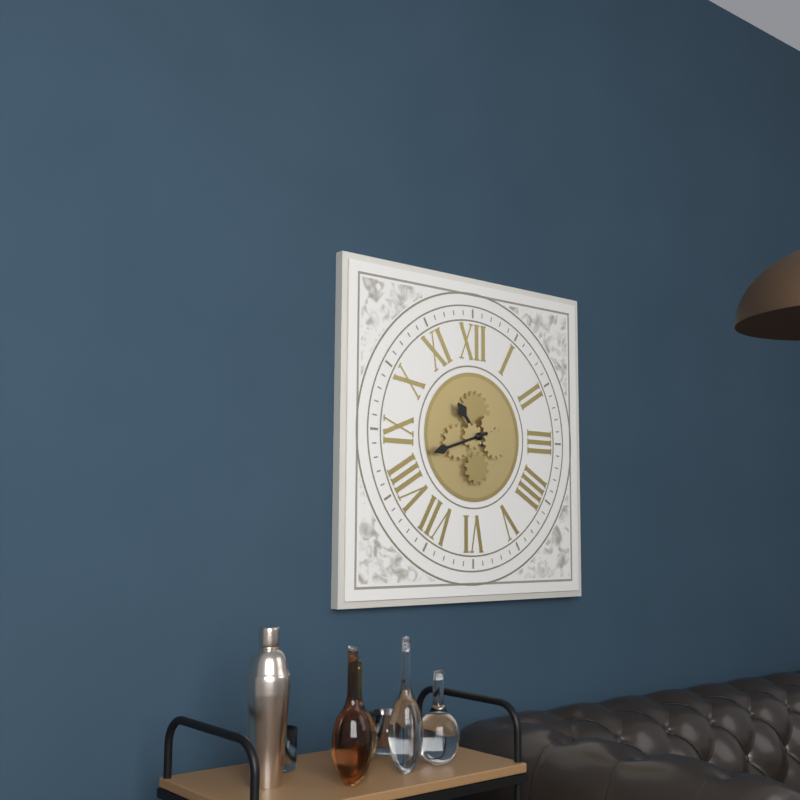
10:42
